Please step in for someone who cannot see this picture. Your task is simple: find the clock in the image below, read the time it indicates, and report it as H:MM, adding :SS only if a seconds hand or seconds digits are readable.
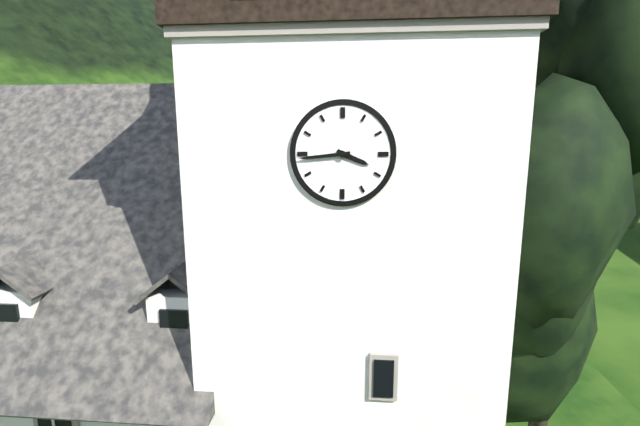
3:44
